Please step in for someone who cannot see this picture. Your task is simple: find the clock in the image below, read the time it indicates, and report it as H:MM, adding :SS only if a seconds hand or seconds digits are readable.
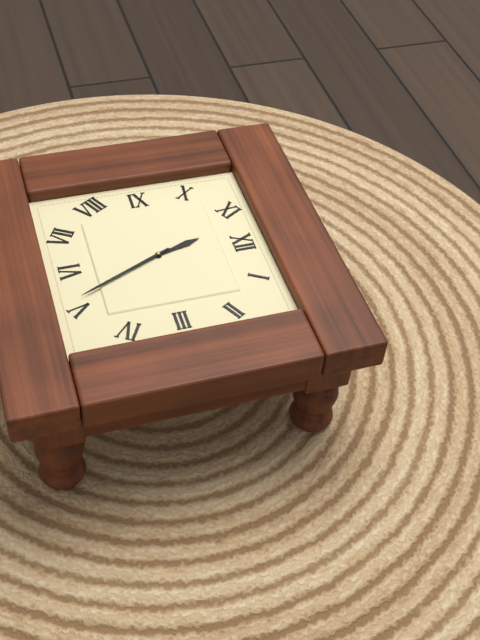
11:26
